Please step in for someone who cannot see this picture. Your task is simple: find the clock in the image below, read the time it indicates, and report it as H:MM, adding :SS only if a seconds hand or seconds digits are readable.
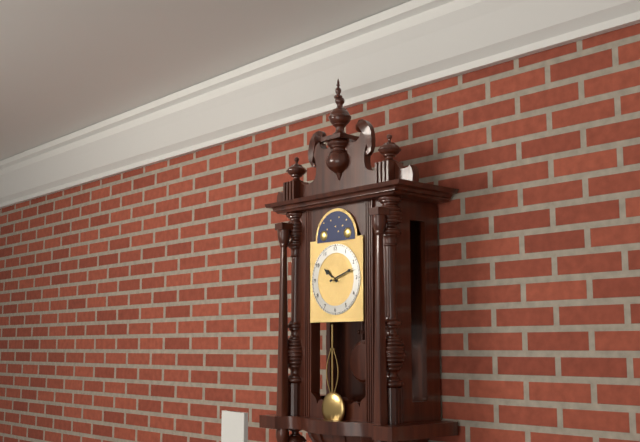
10:12
